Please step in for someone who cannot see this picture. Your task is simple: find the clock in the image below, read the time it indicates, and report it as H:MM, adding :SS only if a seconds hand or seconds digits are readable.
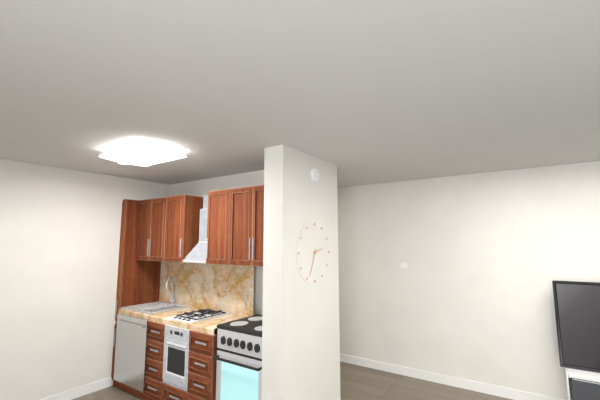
2:34
